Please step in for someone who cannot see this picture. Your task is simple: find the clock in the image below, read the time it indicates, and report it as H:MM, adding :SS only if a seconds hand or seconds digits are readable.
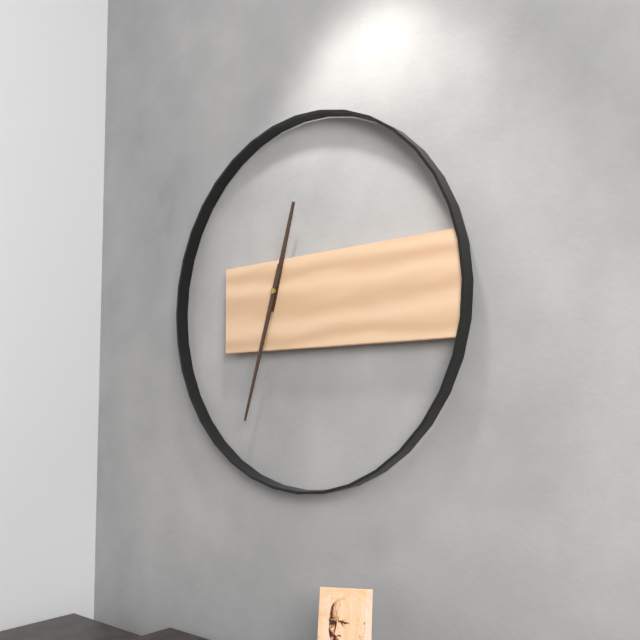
12:33
